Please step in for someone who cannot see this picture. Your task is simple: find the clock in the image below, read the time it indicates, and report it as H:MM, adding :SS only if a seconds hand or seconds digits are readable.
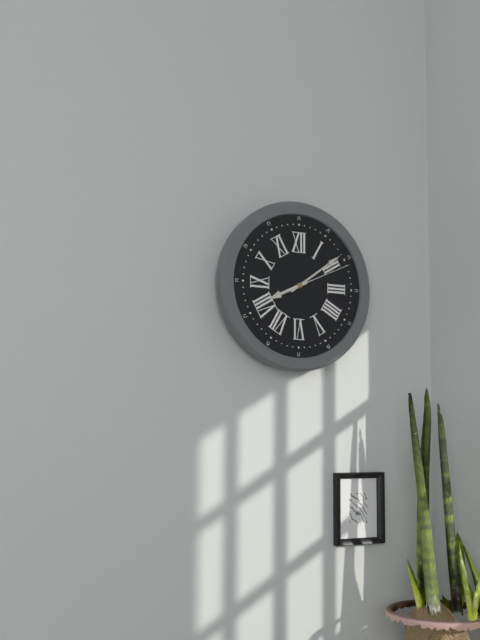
8:09:11
